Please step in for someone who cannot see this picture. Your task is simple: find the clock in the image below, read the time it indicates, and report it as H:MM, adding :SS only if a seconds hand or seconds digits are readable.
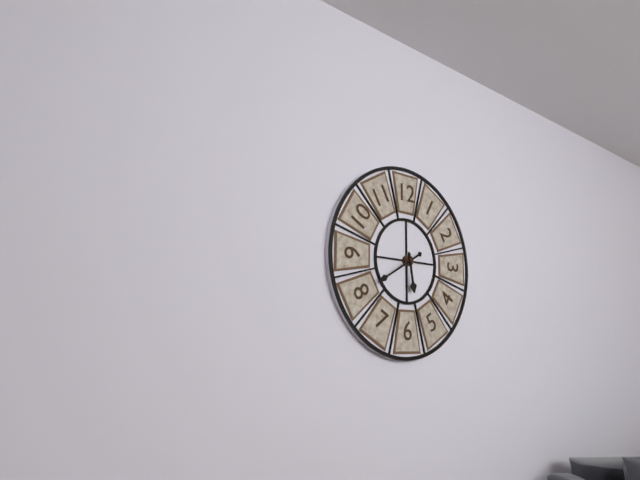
5:40
